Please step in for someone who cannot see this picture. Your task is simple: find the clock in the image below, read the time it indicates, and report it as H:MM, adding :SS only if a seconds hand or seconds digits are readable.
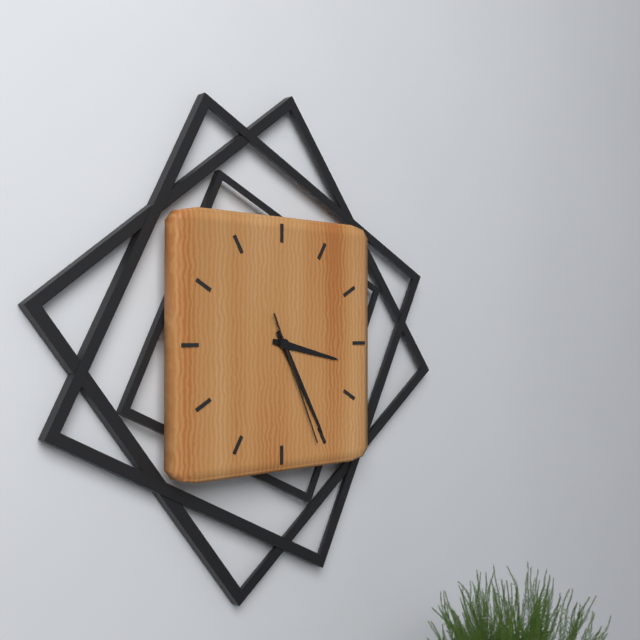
3:25:26
